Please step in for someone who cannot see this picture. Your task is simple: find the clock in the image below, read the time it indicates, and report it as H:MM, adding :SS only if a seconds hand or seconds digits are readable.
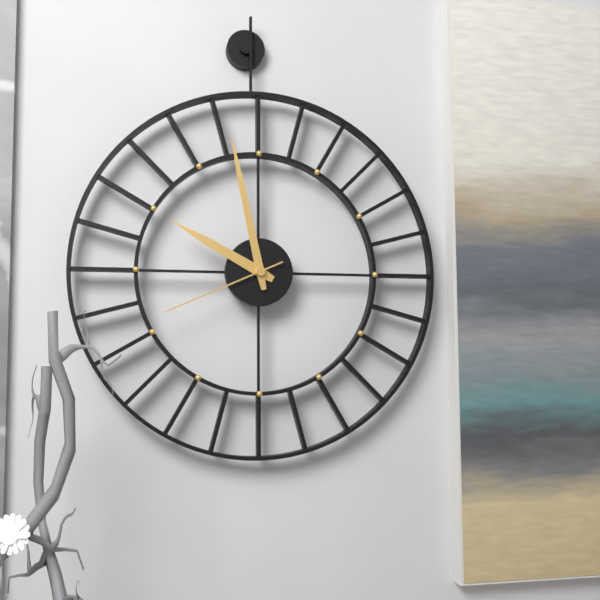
9:58:41
